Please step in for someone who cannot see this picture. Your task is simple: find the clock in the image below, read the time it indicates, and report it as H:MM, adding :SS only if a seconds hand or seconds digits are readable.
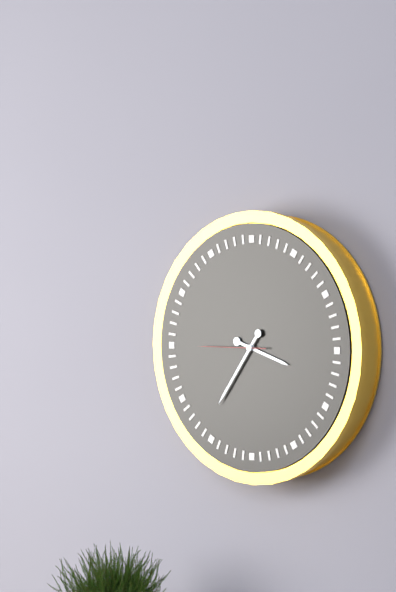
3:36:45
